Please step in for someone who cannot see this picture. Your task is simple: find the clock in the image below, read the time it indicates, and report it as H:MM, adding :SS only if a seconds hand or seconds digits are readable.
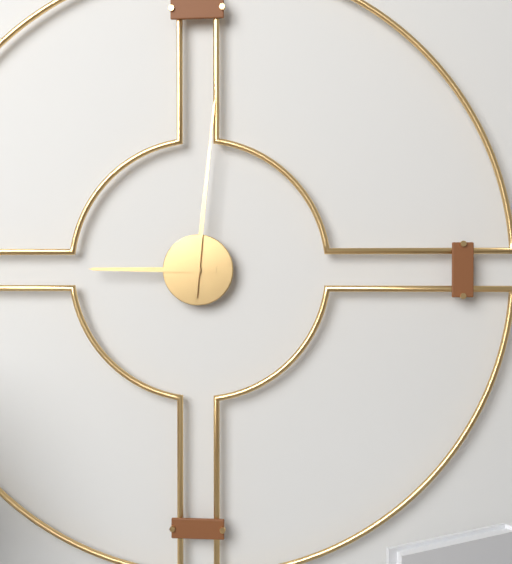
9:01
